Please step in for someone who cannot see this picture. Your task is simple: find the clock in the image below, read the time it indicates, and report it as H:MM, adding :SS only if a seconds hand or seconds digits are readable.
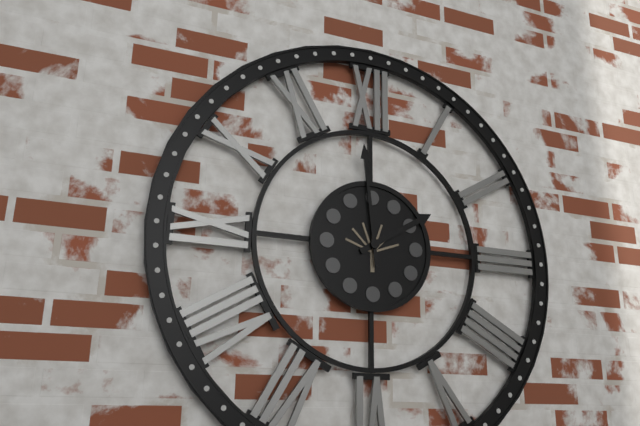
1:59
